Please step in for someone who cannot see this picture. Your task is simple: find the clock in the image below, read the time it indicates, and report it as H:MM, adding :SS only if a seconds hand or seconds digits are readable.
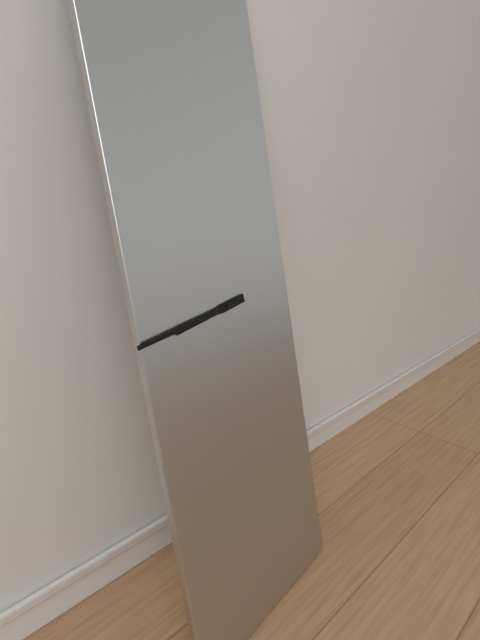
8:44
